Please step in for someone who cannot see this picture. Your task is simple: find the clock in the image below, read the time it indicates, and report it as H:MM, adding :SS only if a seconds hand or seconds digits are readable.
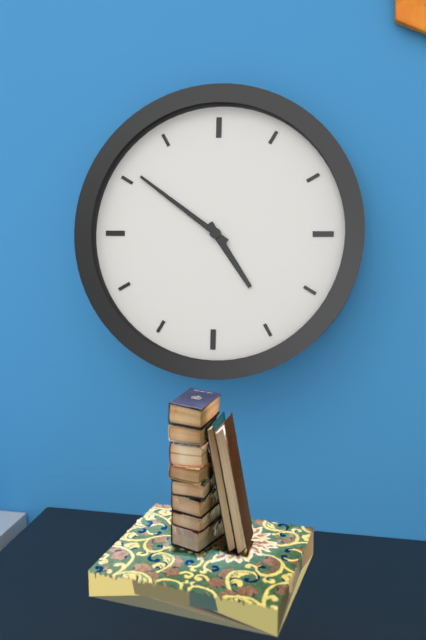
4:51
